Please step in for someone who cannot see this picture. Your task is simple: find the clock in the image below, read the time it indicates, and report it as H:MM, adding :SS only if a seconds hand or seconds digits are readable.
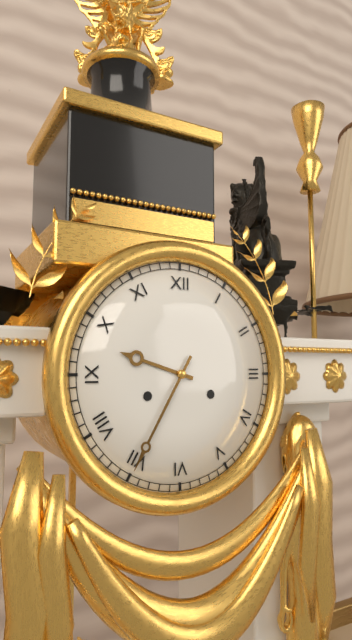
9:35
